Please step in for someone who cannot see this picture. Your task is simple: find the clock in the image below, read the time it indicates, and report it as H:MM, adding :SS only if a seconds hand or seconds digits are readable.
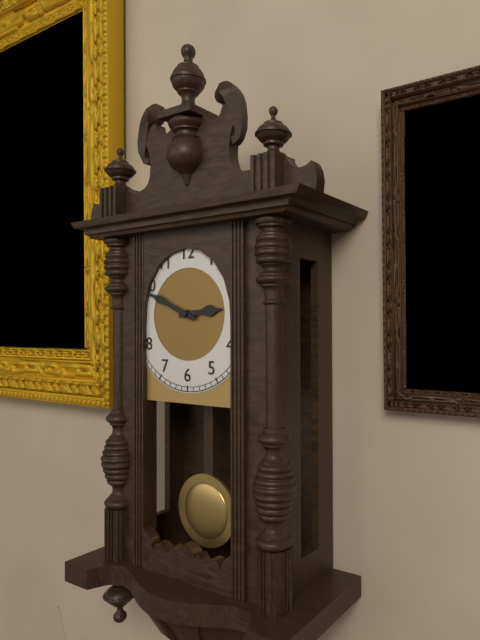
2:49
